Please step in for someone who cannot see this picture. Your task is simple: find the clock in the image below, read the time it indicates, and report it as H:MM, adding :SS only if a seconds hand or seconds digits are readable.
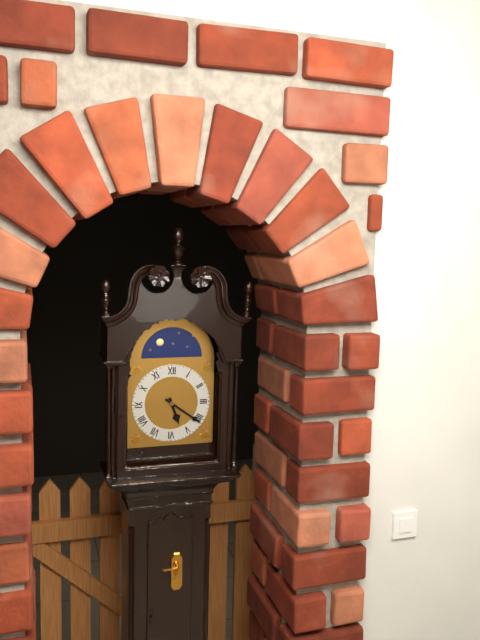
5:21
